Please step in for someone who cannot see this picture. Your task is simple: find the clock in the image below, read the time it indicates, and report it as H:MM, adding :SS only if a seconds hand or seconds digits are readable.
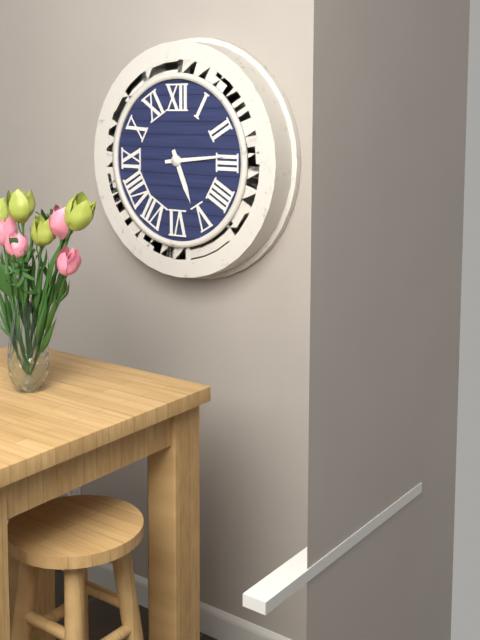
5:14
